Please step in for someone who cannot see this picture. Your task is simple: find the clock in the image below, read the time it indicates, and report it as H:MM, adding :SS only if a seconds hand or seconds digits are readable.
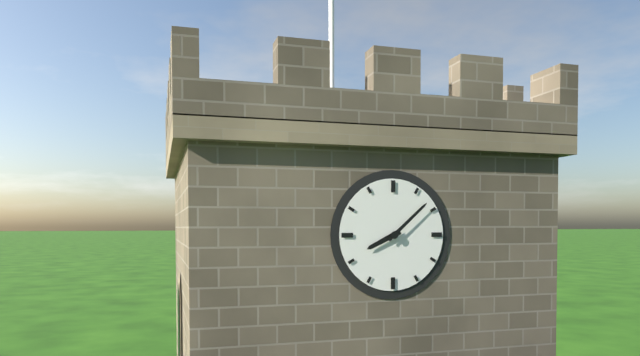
8:08
